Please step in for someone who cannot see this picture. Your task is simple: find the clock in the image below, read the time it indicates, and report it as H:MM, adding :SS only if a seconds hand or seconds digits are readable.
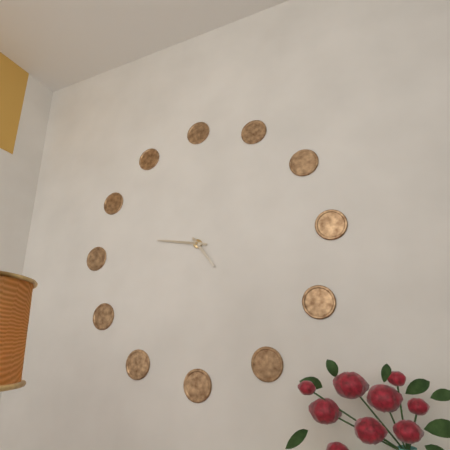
4:47
